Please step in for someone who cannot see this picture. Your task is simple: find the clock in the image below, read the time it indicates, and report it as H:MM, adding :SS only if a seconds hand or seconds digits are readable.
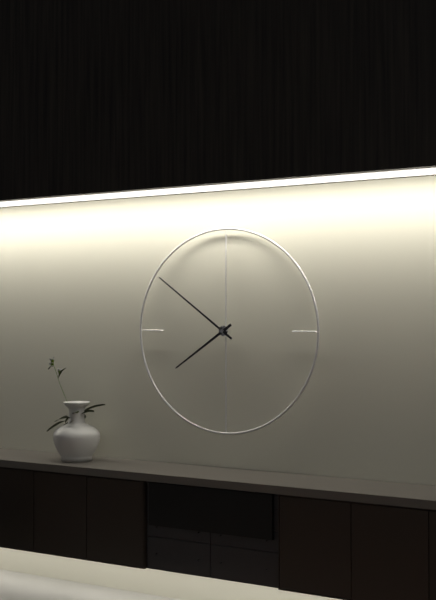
7:51
